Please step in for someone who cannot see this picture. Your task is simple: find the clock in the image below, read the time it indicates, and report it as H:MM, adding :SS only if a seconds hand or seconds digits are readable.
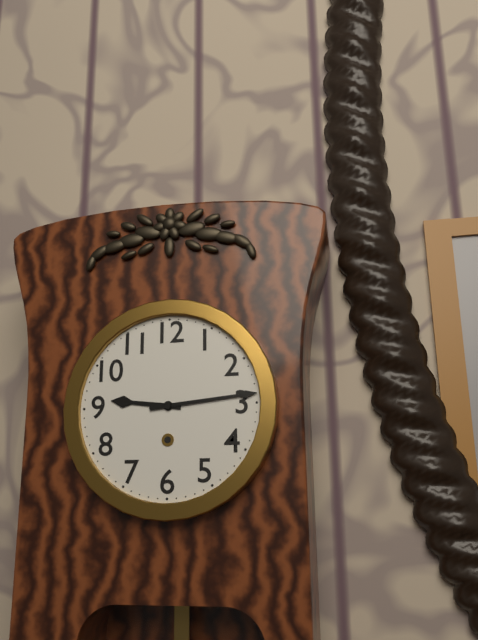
9:14
